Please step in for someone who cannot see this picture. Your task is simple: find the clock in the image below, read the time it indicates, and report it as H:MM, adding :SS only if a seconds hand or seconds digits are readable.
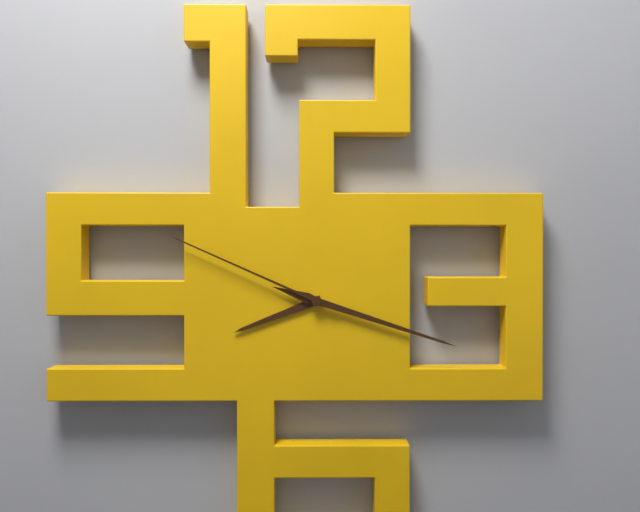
8:18:49
